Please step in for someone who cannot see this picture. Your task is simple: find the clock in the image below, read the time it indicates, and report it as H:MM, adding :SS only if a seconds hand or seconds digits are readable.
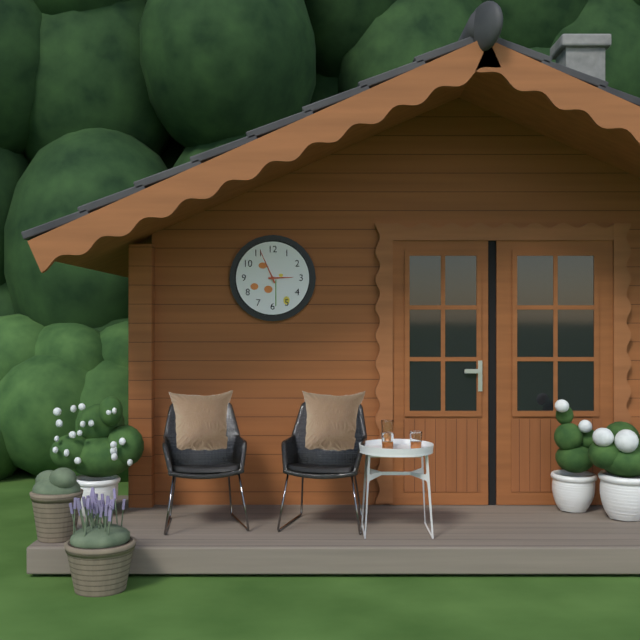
2:56
